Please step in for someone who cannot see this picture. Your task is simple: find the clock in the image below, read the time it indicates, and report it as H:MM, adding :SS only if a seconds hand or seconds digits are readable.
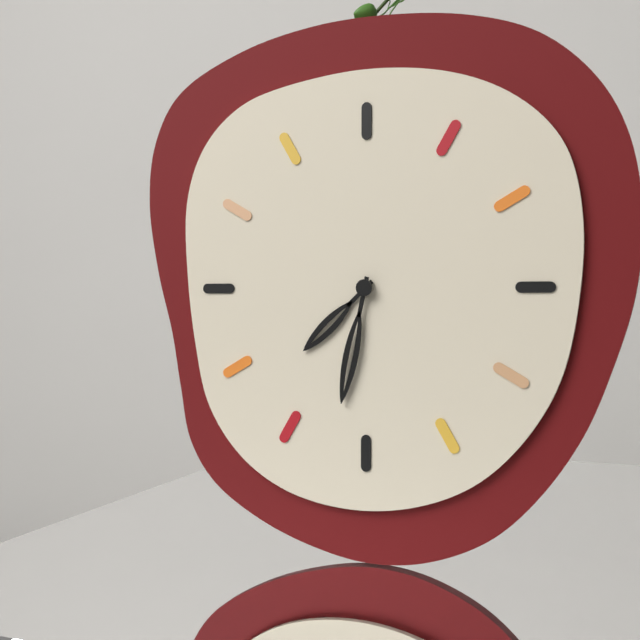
7:32
